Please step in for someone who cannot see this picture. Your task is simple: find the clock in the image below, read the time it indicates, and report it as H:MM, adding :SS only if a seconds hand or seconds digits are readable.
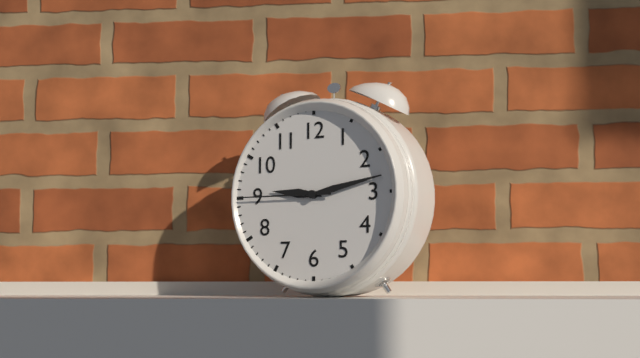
9:13:45
